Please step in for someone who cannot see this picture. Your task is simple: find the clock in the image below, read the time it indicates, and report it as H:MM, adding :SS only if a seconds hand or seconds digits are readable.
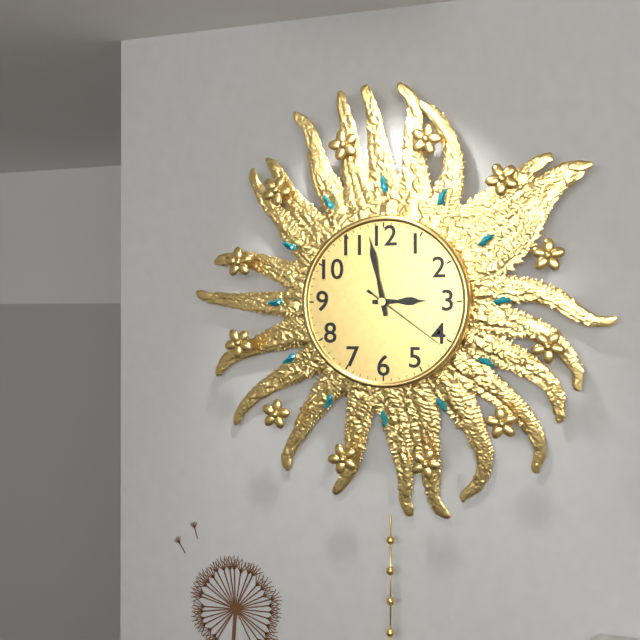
2:58:21
